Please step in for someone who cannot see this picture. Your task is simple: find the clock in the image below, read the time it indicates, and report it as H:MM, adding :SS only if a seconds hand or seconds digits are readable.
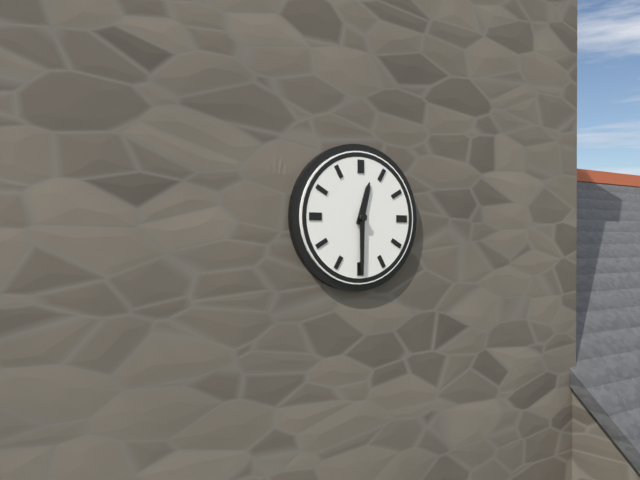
12:30
